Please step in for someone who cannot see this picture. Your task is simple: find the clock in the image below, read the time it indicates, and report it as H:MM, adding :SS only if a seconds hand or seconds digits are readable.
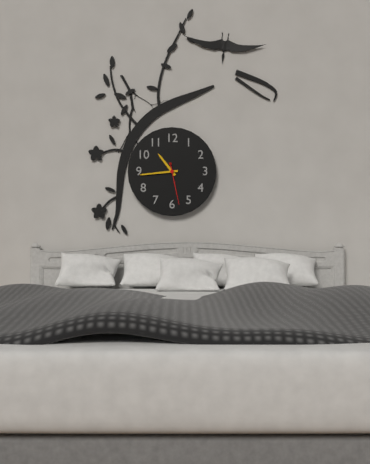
10:44
